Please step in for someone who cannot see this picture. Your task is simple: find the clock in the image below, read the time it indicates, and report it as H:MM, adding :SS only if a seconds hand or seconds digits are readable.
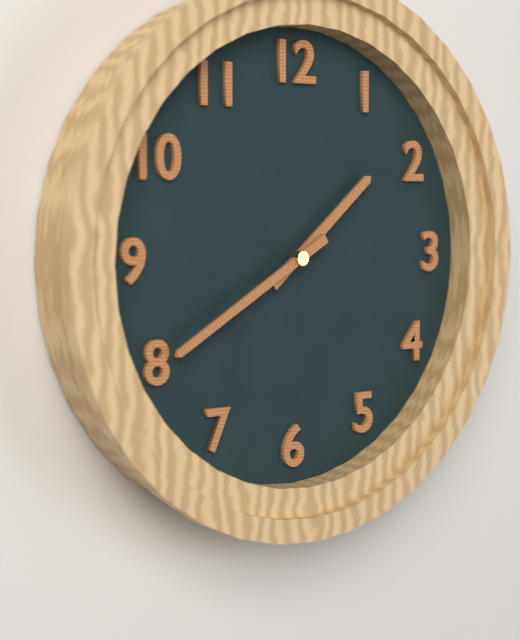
1:40
